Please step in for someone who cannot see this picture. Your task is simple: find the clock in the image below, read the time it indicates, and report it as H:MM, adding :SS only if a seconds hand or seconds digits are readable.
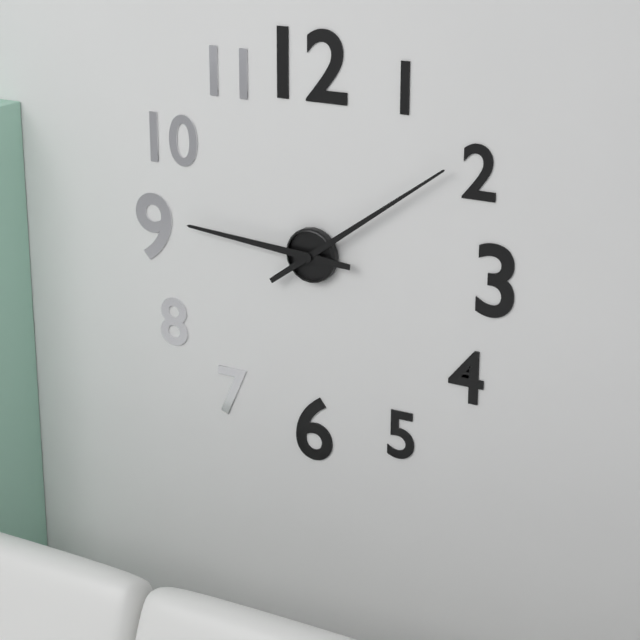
9:09
